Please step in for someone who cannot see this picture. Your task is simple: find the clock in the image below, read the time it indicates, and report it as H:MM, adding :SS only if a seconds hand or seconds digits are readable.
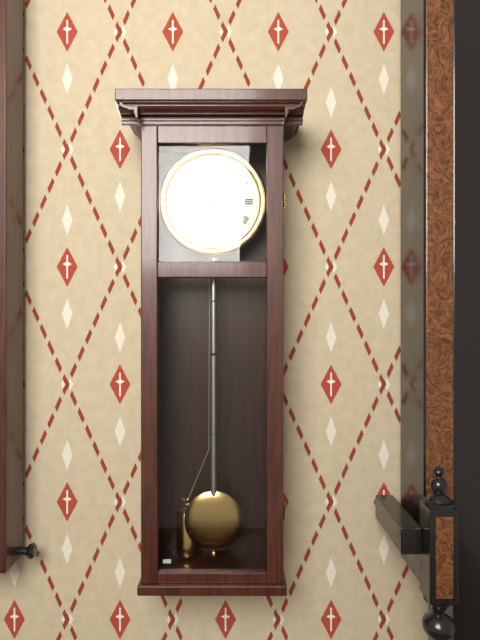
5:55
